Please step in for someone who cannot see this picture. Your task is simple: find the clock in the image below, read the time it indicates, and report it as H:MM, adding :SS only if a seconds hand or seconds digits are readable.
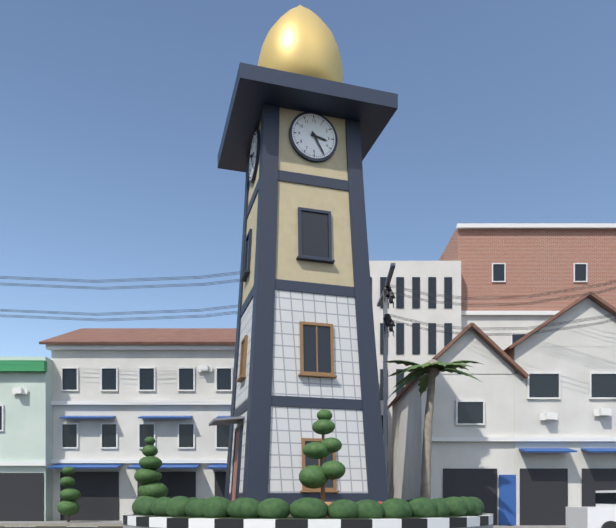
3:25
